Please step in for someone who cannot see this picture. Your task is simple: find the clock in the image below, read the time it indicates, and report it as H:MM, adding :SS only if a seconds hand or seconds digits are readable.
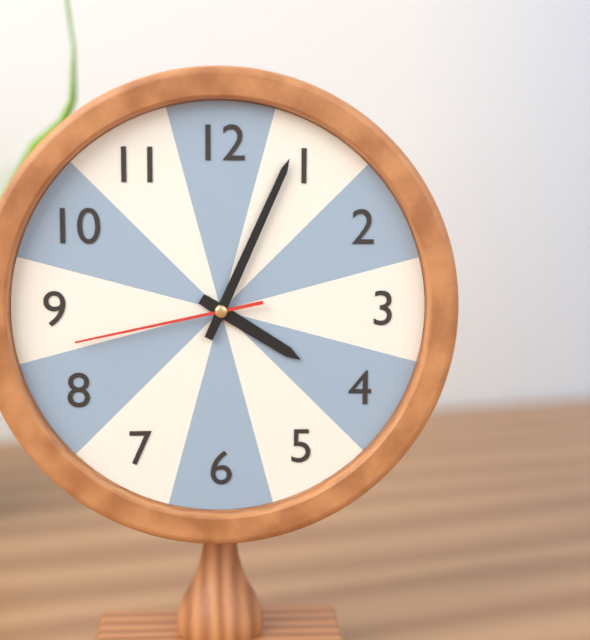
4:04:43
